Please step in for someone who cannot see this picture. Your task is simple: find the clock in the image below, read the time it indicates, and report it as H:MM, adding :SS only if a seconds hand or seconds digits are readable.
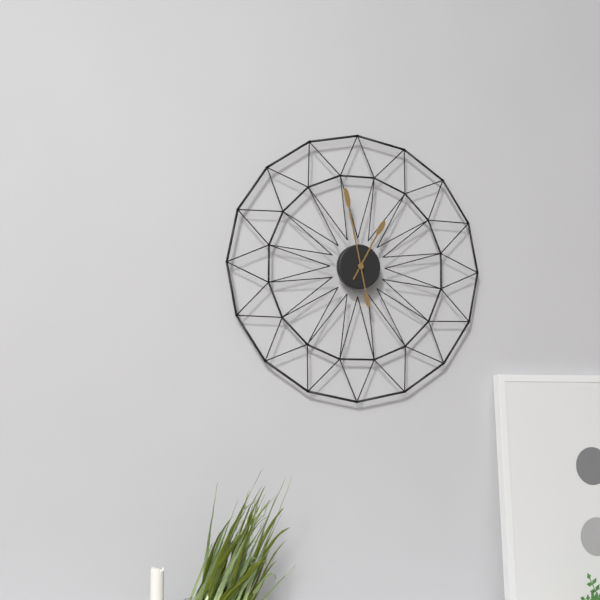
12:58
